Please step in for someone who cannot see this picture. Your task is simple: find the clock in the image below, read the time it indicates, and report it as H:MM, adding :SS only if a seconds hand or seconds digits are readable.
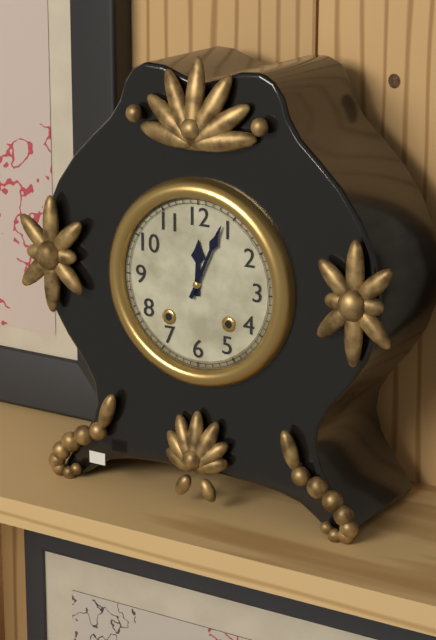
12:04
